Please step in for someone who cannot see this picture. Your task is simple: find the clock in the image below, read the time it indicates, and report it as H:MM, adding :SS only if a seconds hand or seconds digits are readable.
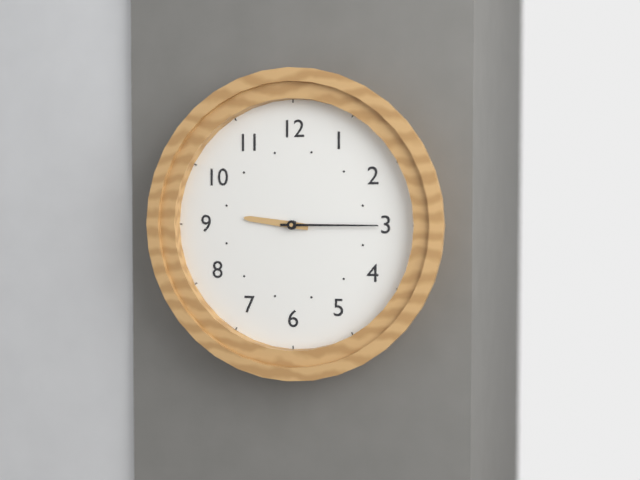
9:15
